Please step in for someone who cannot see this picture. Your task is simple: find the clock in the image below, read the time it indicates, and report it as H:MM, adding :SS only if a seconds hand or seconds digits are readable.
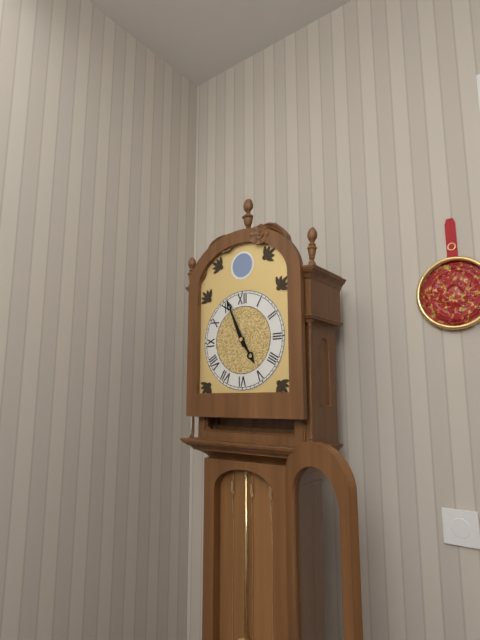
4:56
